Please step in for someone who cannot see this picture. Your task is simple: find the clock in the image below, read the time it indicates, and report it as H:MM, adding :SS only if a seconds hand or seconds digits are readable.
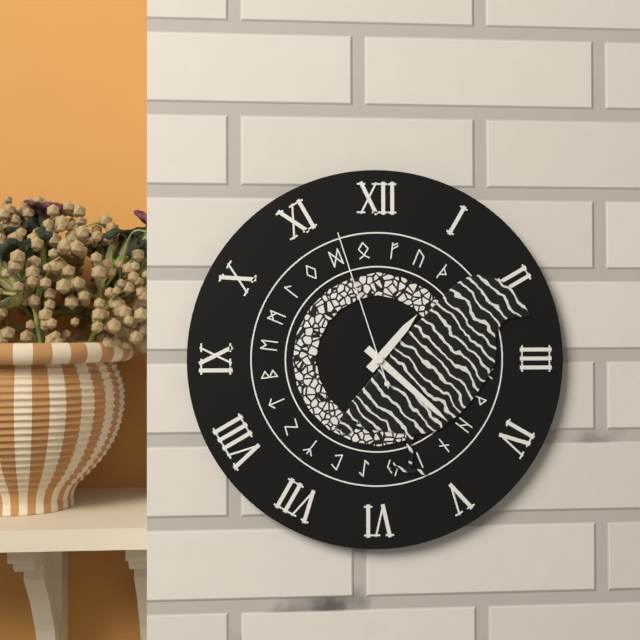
1:22:57
